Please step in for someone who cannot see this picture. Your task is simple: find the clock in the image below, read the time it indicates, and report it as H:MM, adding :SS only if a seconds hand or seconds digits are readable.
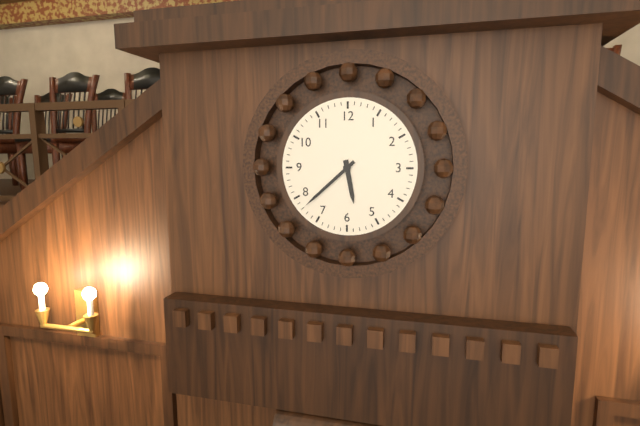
5:38
